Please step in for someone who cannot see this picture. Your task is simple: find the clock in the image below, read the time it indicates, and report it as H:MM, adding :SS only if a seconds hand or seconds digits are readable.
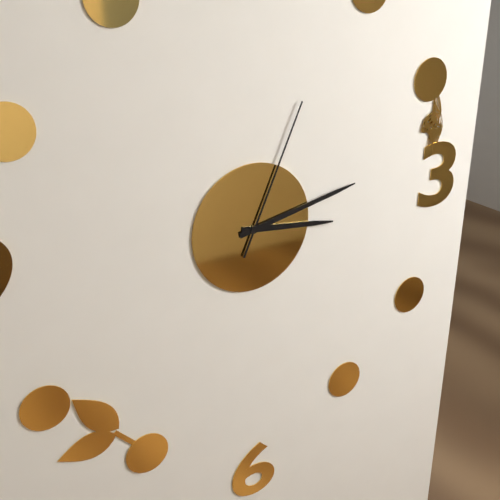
3:13:04
